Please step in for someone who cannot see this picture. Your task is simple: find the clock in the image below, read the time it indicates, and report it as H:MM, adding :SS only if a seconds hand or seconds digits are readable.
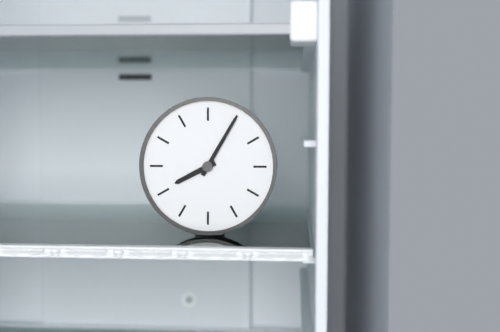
8:05
